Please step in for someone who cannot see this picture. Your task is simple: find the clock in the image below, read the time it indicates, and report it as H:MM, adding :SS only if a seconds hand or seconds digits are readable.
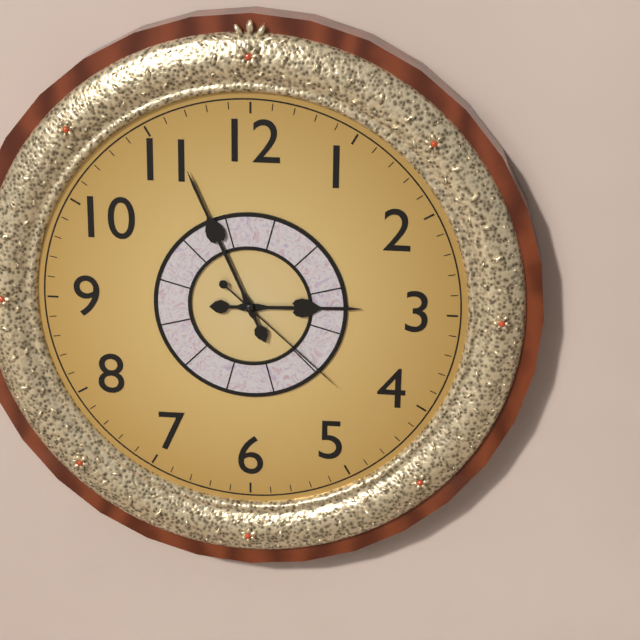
2:56:22
